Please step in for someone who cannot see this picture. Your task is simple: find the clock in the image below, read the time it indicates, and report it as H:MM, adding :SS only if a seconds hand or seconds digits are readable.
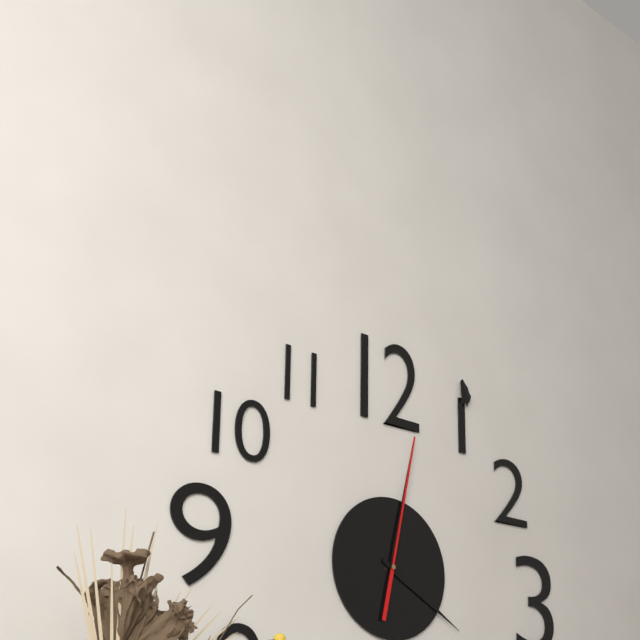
4:02:02
